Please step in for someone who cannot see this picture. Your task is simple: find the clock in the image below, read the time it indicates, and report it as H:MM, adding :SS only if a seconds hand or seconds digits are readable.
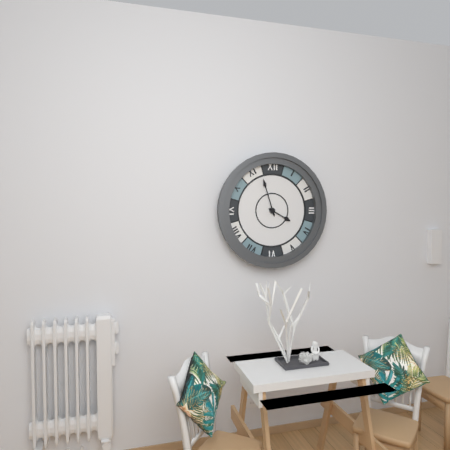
3:57
